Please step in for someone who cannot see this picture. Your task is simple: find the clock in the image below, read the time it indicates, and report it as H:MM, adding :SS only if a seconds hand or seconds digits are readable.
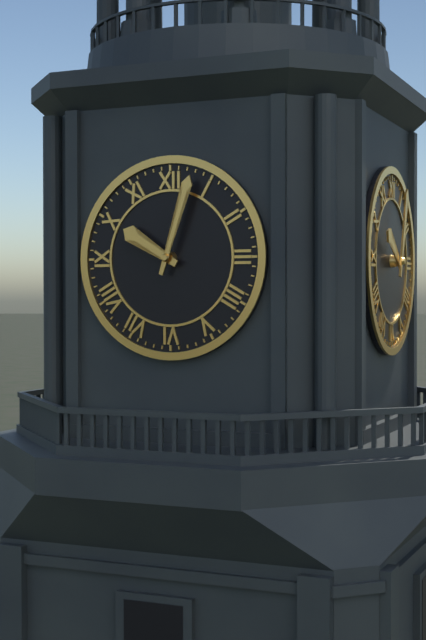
10:03
